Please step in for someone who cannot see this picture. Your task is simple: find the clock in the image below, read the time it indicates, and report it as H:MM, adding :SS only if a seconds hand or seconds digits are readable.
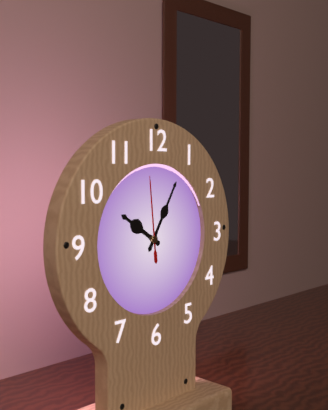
10:05:59
